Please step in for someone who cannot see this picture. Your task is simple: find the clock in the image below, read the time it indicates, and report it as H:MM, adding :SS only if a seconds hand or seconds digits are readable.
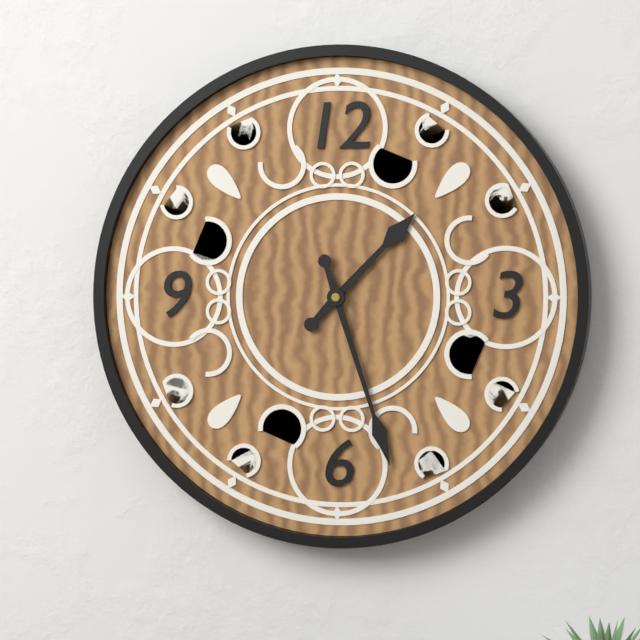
1:27
